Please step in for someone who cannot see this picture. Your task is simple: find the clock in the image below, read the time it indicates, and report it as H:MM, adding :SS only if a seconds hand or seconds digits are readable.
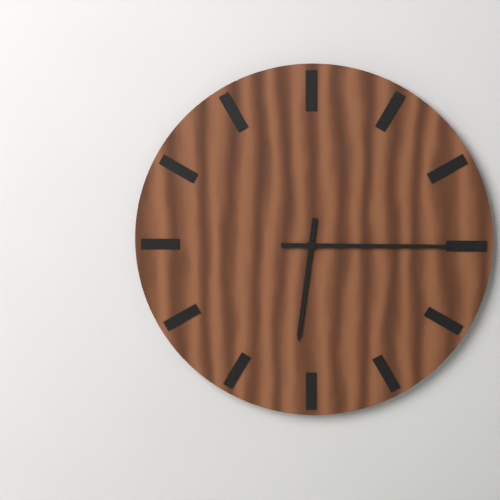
6:15
